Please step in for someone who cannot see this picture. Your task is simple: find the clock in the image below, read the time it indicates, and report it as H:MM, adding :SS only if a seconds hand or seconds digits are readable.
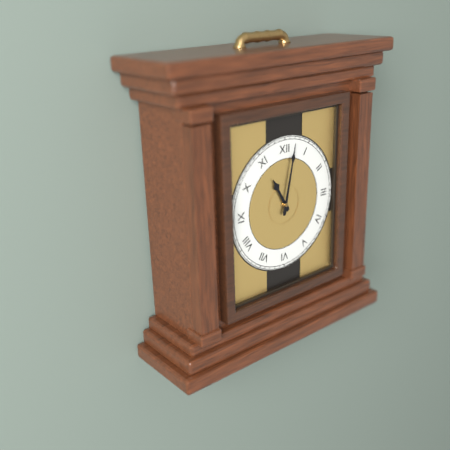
11:02
